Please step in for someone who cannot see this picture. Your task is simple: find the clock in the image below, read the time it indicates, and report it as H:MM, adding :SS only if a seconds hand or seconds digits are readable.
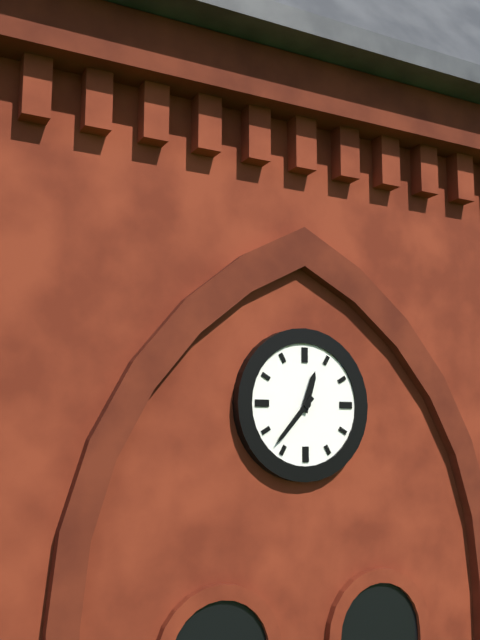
12:37
